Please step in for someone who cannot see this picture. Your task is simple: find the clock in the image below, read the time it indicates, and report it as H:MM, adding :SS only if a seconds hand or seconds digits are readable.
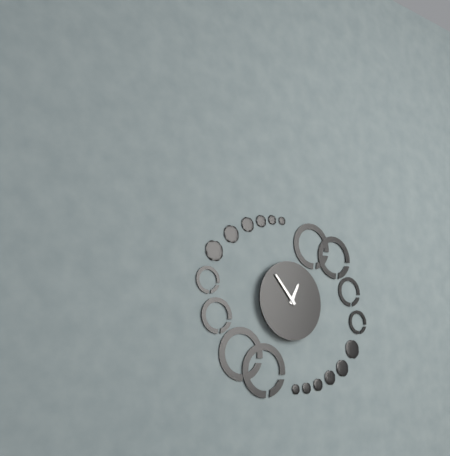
12:53
